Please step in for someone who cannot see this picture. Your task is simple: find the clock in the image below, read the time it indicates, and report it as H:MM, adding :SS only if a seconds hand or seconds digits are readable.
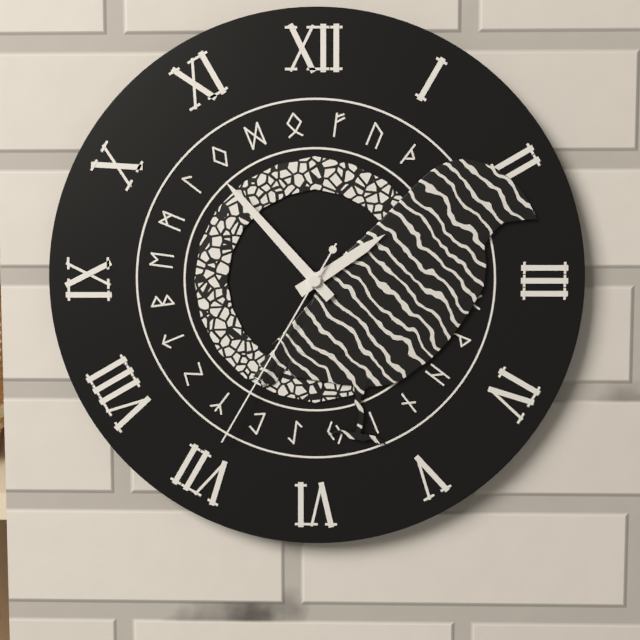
1:53:35
